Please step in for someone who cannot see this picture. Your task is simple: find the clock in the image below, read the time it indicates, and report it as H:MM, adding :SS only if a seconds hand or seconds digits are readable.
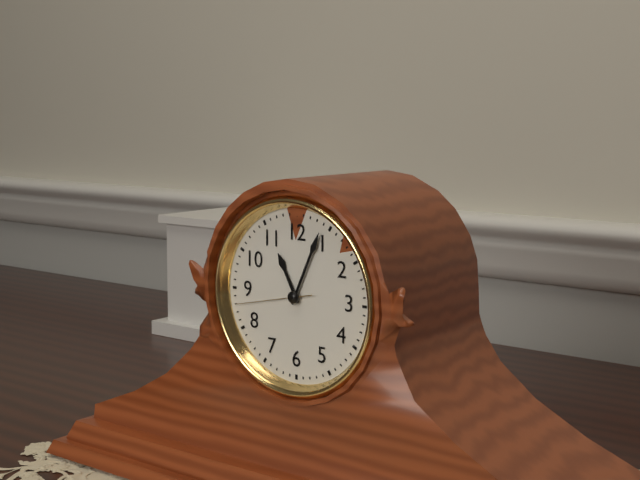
11:04:43
